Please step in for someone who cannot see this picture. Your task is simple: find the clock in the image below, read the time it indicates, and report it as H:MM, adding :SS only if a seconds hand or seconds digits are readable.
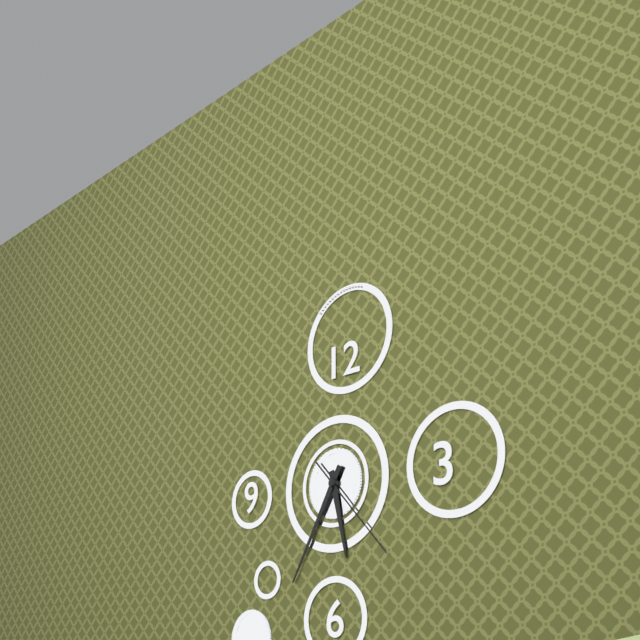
5:35:23
